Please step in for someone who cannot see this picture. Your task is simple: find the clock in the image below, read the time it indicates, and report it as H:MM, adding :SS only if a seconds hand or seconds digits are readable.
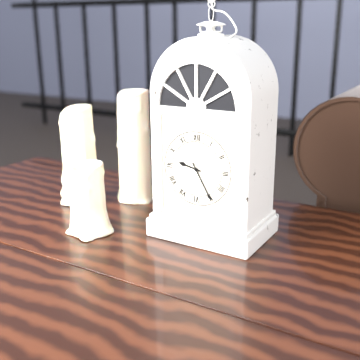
9:25
